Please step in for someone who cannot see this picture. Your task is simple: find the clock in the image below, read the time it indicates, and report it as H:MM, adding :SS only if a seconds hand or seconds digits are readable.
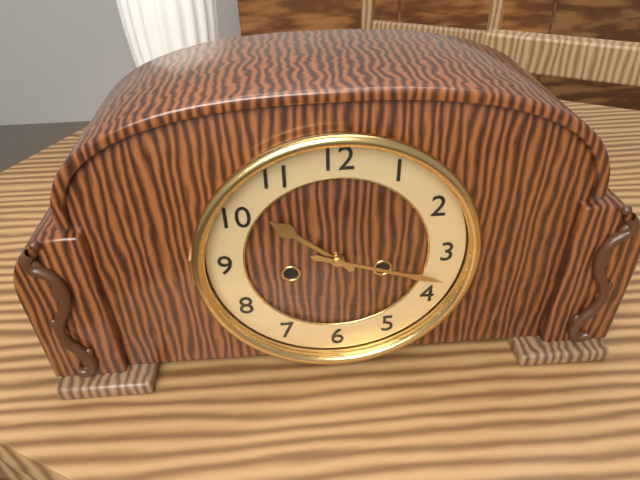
10:18
